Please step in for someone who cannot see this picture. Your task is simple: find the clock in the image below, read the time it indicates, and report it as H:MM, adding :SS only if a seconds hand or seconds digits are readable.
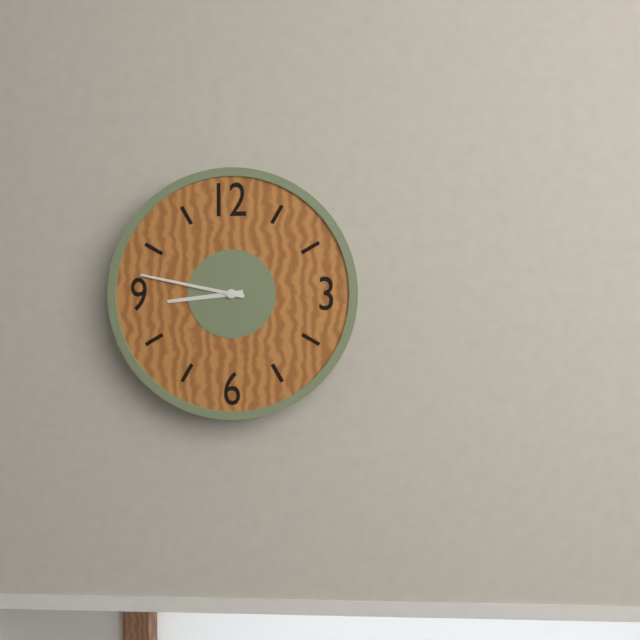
8:47
